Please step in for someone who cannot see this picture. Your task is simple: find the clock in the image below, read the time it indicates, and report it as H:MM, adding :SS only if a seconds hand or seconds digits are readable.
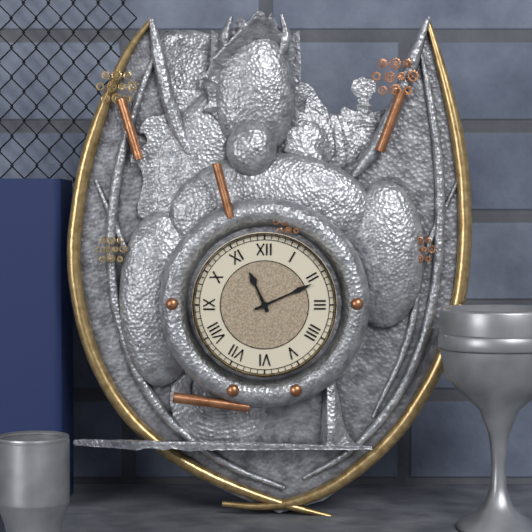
11:11
